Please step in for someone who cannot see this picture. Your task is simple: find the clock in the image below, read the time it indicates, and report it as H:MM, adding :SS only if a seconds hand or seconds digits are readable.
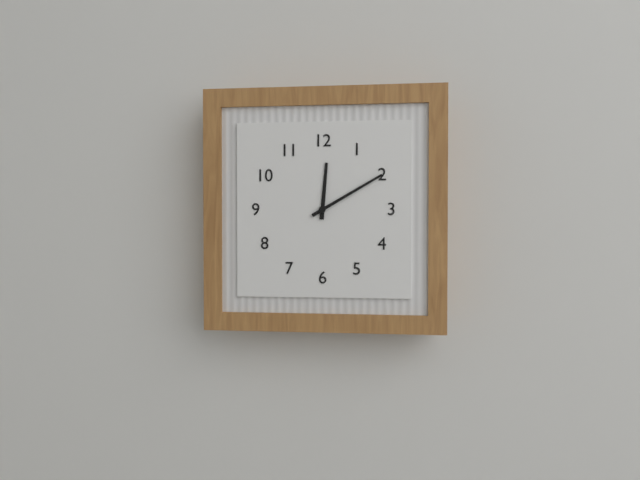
12:10
